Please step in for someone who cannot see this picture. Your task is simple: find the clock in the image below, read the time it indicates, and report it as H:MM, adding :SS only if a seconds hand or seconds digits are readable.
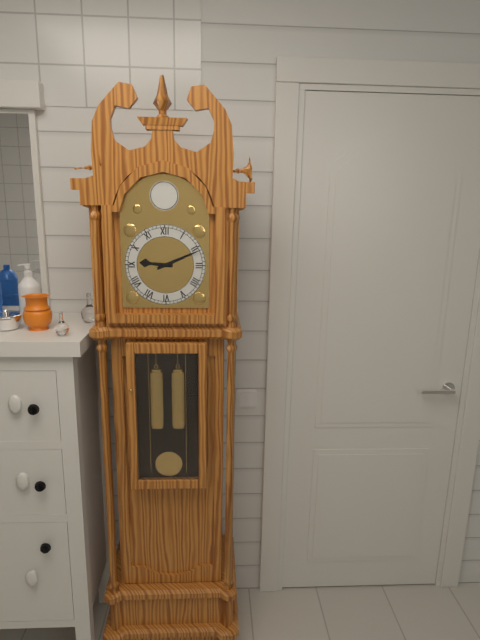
9:11
